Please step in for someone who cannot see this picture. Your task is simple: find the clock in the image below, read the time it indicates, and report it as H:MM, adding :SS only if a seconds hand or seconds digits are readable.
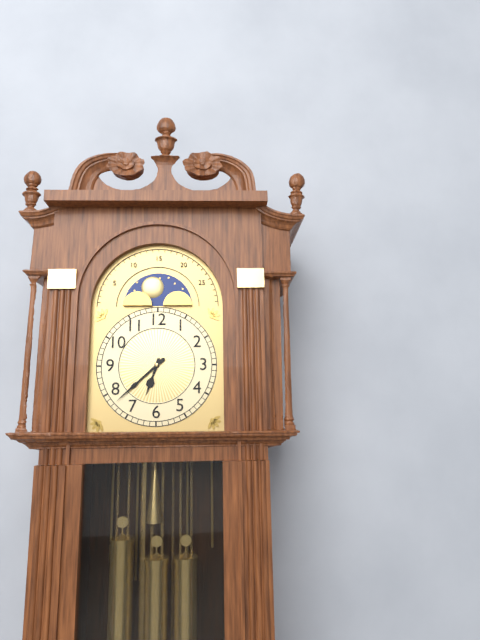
6:38
